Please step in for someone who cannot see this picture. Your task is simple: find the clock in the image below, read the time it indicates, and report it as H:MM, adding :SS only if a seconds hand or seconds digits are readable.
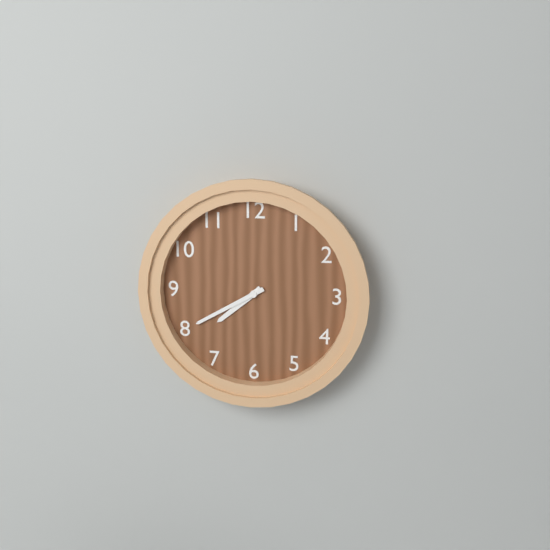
7:40
